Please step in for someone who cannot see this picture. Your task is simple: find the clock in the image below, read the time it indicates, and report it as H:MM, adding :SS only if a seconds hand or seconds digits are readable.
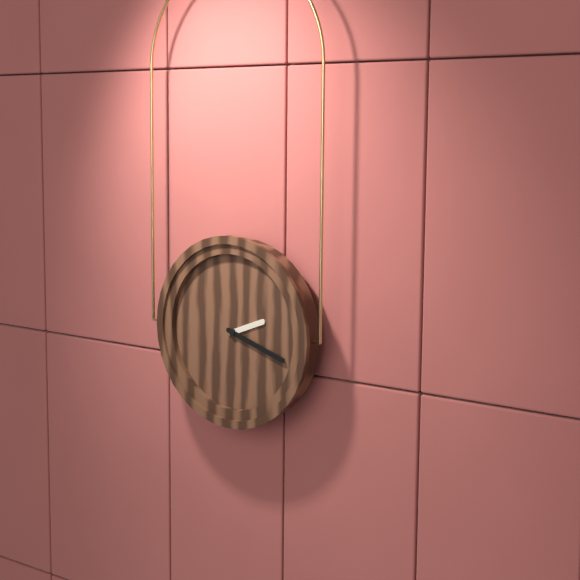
2:18
